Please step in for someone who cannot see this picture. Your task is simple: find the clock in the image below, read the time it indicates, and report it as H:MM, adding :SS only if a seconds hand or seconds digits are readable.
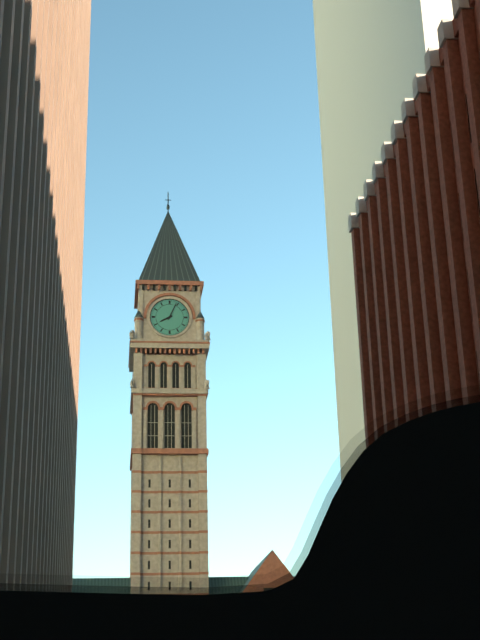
8:04
